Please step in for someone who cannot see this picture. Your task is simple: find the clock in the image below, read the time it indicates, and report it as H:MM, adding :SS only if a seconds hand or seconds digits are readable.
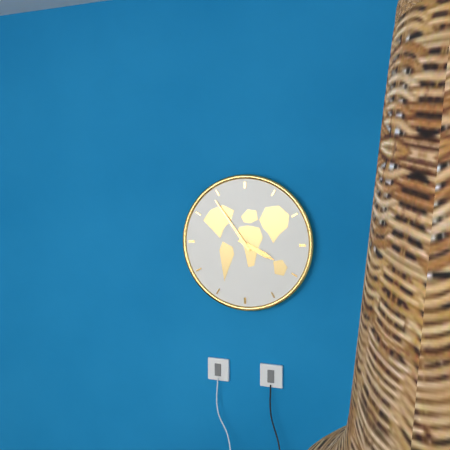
3:54
